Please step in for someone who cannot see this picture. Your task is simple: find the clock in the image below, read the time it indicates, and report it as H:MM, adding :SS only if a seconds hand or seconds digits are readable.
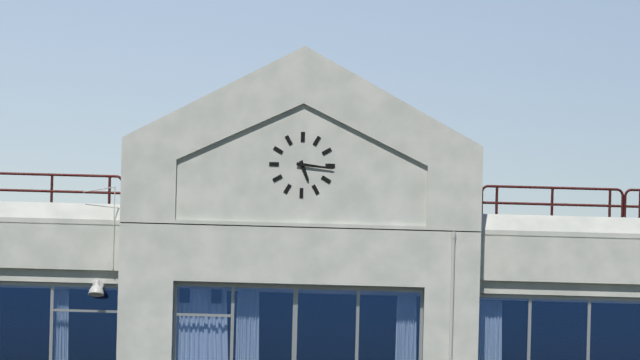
5:16
